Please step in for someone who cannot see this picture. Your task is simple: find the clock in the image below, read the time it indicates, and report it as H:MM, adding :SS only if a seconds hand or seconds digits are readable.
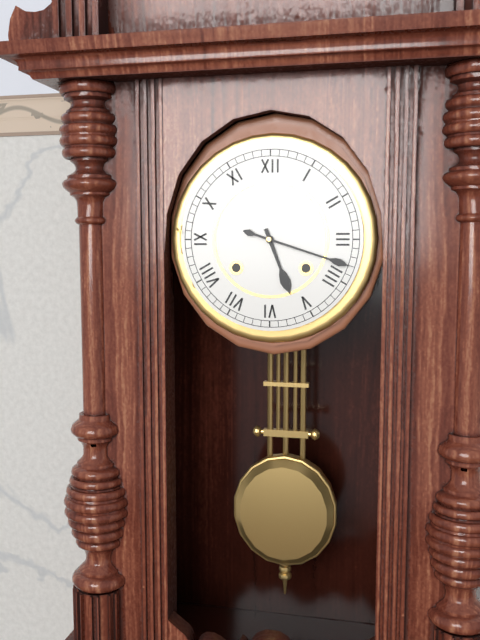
5:18
